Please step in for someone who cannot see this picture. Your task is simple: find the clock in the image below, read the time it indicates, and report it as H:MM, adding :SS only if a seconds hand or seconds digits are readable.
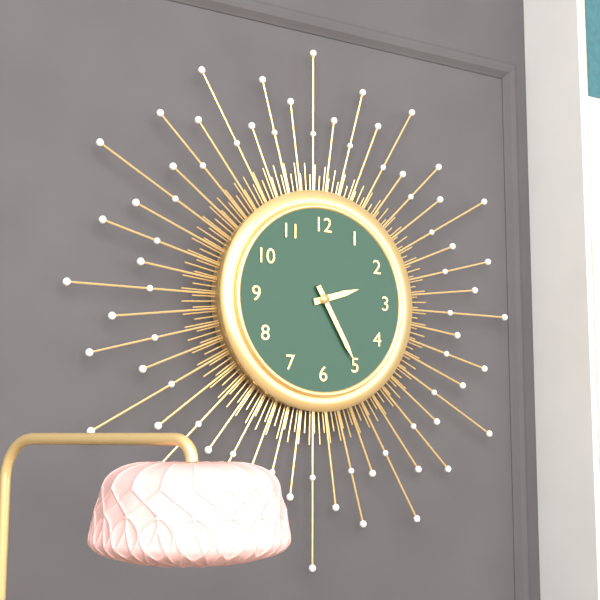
2:25
